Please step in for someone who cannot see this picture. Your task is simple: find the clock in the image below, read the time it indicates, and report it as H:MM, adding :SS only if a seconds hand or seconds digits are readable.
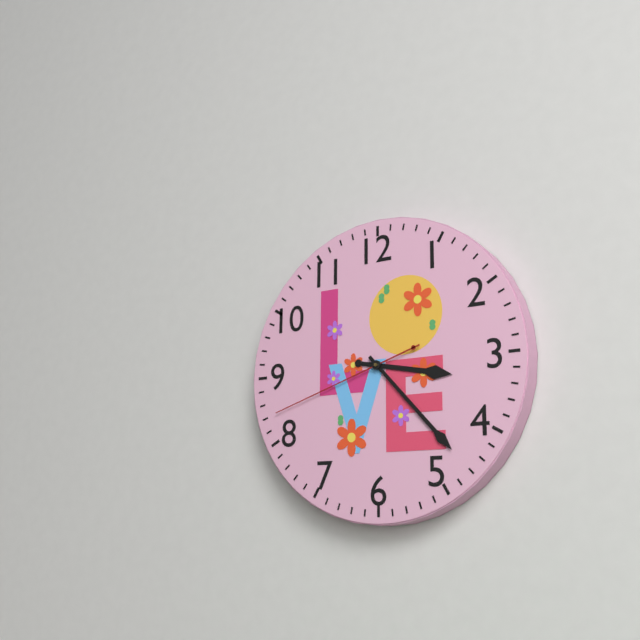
3:23:42
